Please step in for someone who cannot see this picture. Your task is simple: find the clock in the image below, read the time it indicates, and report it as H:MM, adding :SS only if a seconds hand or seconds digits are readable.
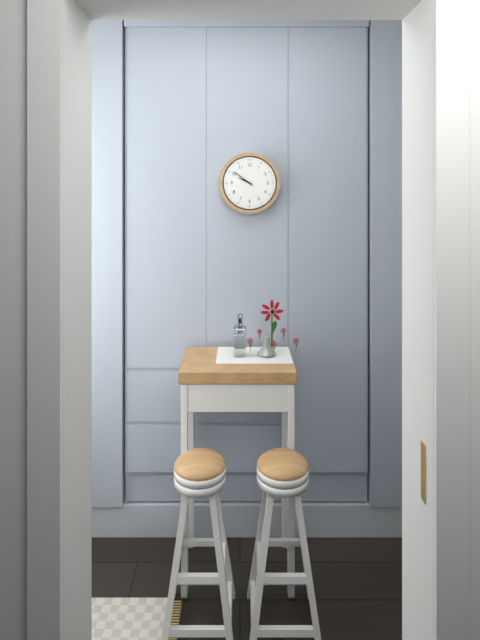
9:51
